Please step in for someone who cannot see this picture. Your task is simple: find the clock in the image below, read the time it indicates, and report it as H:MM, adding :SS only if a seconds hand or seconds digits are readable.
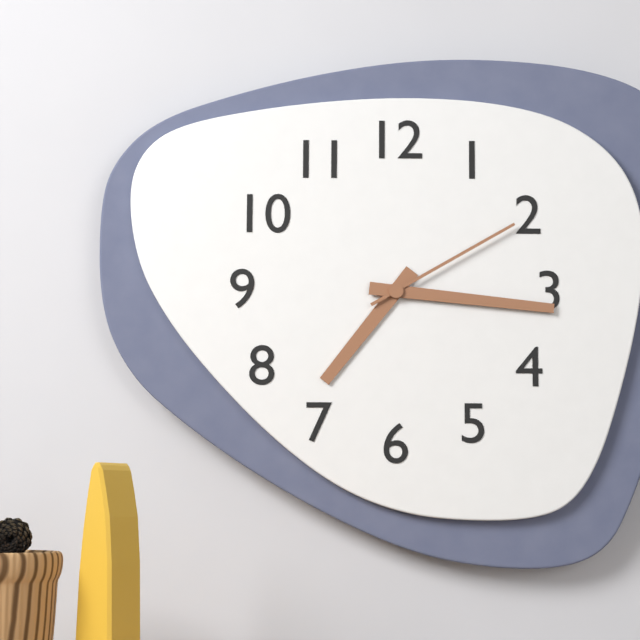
7:16:10
